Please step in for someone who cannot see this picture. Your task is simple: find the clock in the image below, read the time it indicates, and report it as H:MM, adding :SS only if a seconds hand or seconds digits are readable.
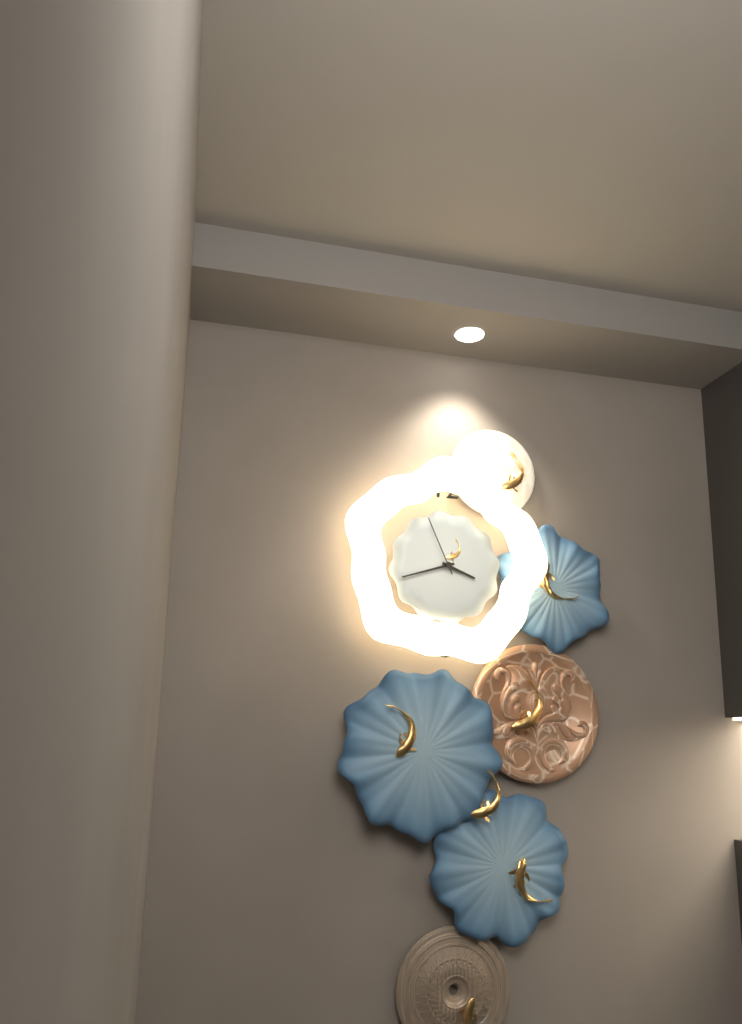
3:42:56
